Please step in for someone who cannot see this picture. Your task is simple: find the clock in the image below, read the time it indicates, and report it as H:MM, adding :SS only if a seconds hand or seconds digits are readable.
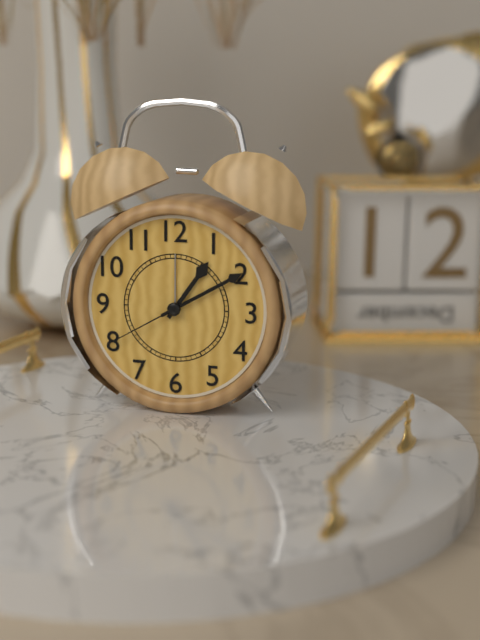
1:10:40
